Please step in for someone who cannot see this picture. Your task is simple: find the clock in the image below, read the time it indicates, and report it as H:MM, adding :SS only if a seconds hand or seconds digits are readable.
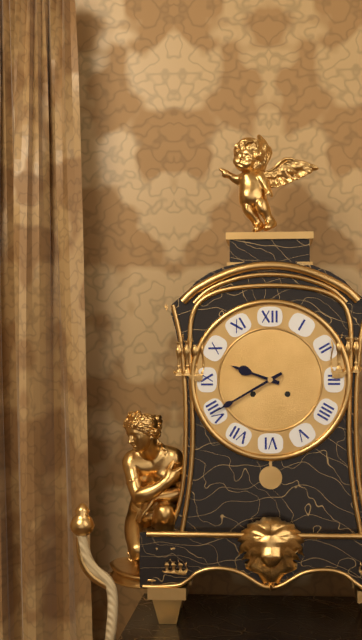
9:40
